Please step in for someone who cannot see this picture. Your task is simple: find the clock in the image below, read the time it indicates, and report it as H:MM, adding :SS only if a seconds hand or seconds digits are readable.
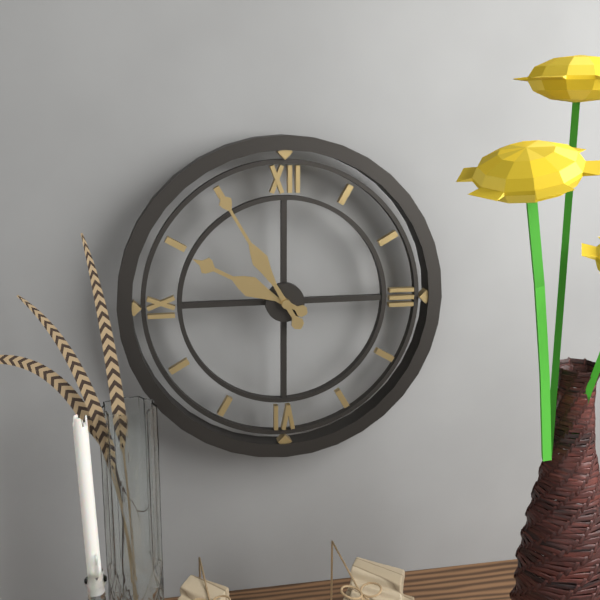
9:55
